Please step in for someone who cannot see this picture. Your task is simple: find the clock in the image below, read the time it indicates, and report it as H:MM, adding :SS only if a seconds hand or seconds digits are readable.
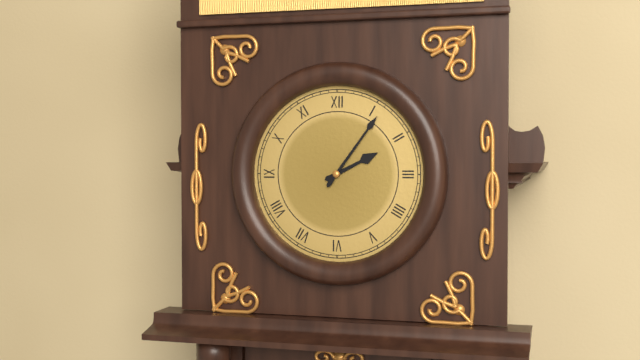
2:06
